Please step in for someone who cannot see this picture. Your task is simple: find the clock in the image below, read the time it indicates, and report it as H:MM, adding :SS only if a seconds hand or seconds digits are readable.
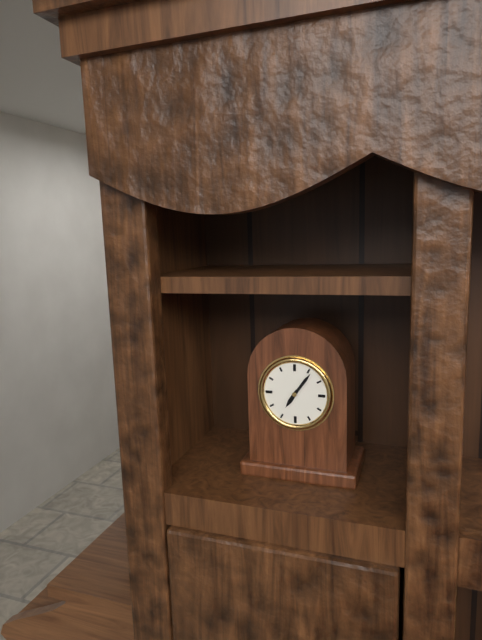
7:06
